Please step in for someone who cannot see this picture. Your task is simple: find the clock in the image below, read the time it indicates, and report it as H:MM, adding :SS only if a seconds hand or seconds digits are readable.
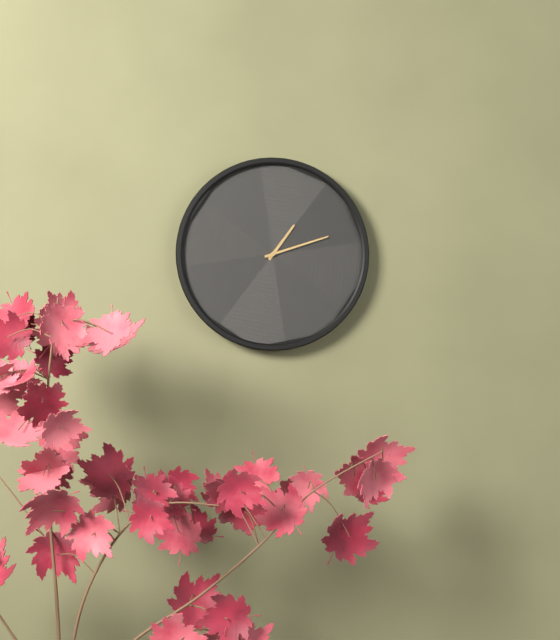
1:12
